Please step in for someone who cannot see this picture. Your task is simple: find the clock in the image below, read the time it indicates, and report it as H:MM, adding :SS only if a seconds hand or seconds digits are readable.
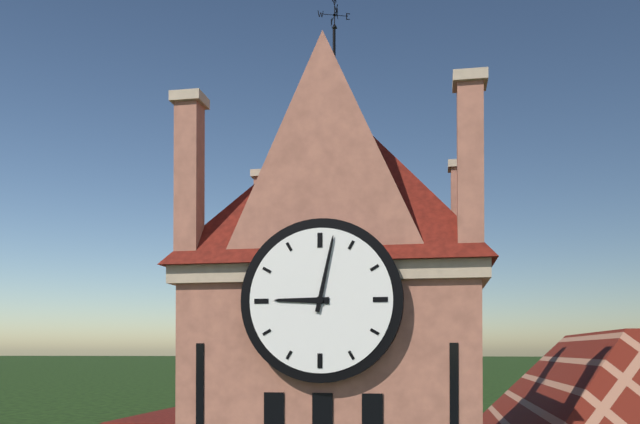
9:02
